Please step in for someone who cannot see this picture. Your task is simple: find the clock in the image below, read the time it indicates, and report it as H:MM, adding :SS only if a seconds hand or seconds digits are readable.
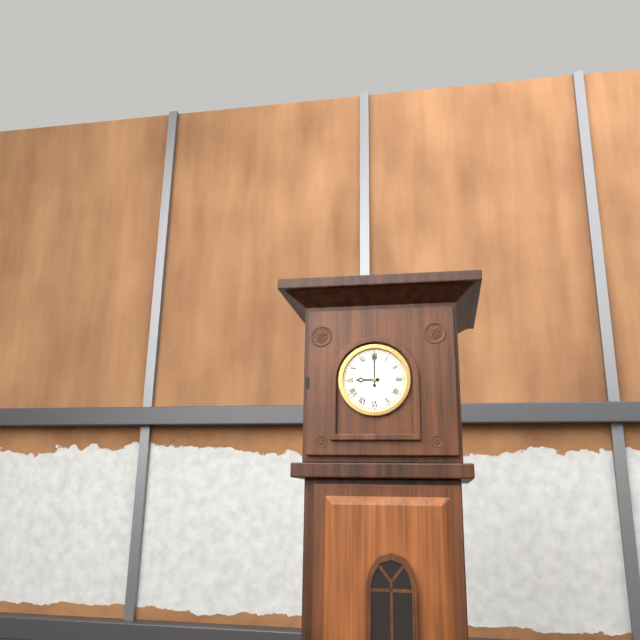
9:00
